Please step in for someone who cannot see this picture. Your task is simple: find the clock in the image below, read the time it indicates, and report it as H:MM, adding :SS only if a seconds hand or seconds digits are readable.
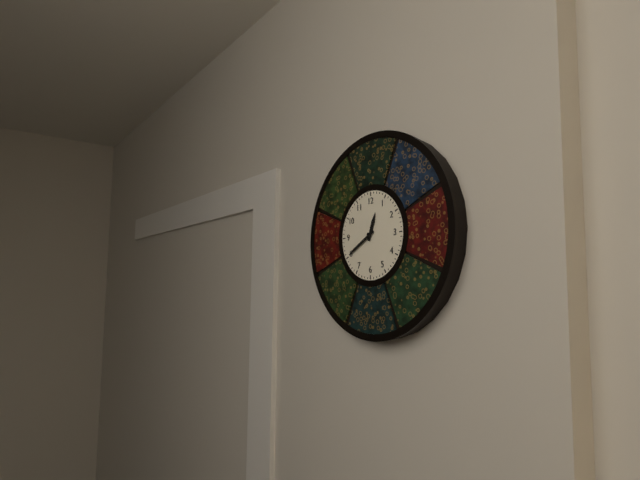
12:40
